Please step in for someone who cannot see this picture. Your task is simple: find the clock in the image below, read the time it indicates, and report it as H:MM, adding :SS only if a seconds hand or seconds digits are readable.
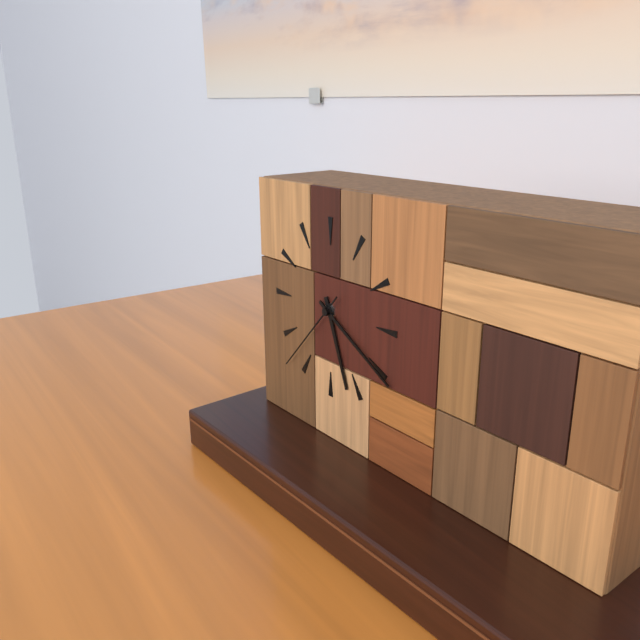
5:20:37
